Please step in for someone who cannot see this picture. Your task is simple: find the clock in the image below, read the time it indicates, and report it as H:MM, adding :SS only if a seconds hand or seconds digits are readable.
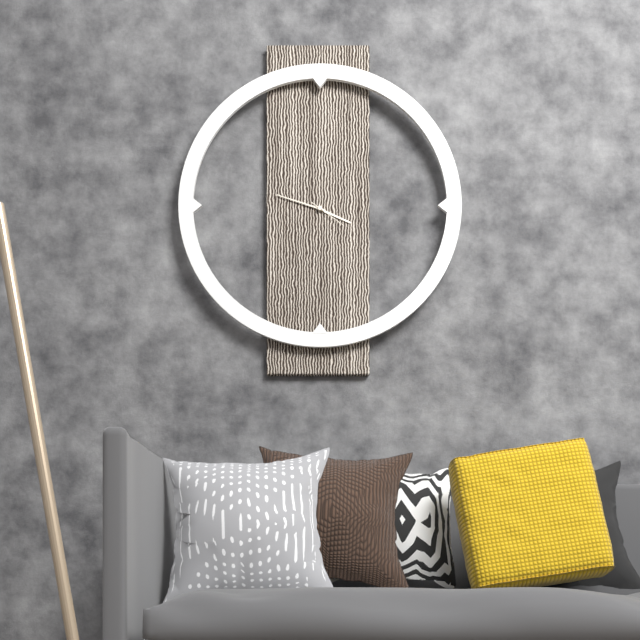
3:48
